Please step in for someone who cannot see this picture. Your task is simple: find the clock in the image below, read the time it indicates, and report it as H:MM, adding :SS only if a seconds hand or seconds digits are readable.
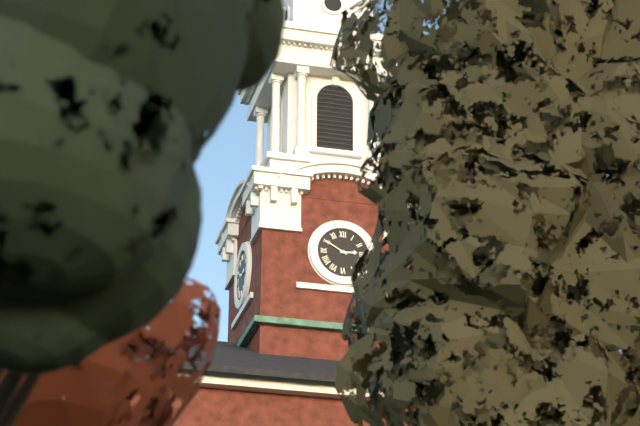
2:50
